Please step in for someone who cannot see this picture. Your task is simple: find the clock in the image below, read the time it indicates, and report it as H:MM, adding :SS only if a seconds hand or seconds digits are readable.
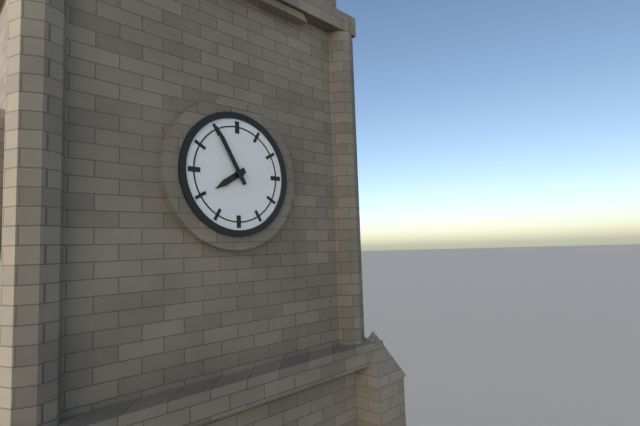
7:55
